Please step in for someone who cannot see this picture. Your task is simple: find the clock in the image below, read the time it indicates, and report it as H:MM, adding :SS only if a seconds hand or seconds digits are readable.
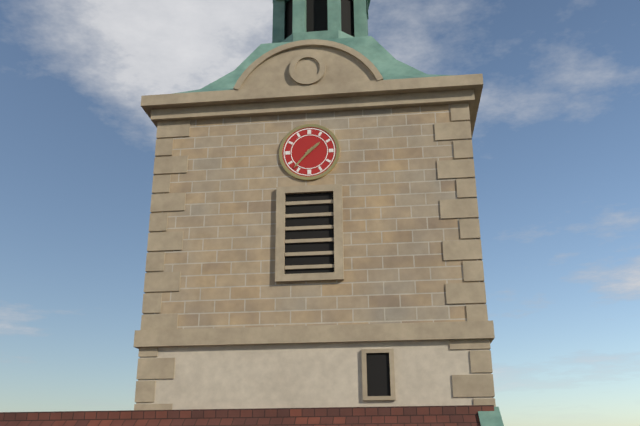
1:37
